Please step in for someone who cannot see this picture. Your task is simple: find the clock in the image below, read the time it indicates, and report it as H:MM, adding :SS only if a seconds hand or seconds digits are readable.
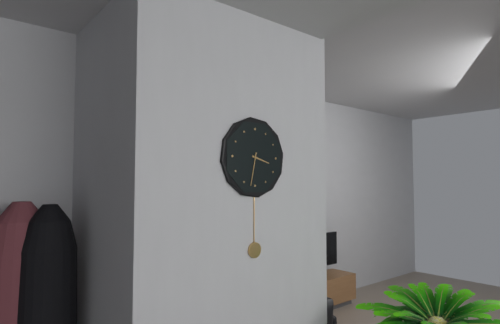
3:32
